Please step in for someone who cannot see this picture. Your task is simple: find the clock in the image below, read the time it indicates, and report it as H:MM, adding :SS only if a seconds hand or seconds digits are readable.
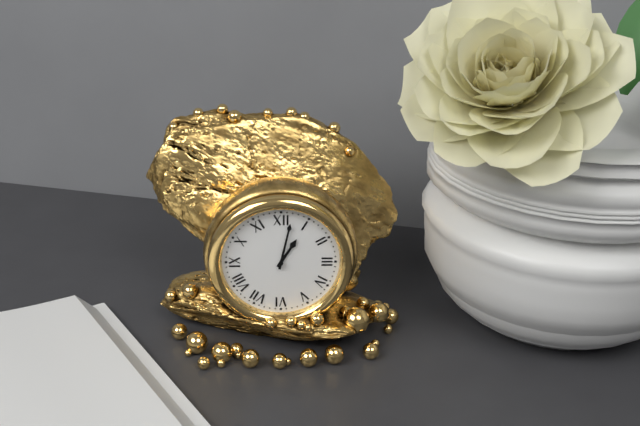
1:02
